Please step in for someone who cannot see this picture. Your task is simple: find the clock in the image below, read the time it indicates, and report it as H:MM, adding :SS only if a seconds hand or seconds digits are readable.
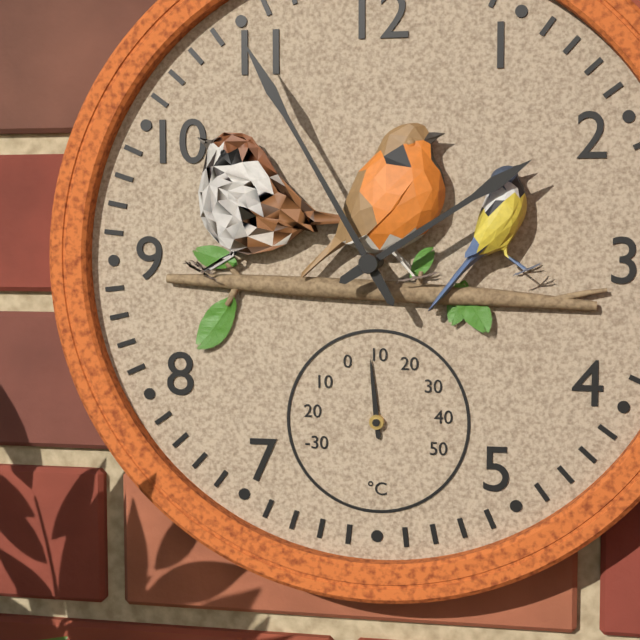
1:55
